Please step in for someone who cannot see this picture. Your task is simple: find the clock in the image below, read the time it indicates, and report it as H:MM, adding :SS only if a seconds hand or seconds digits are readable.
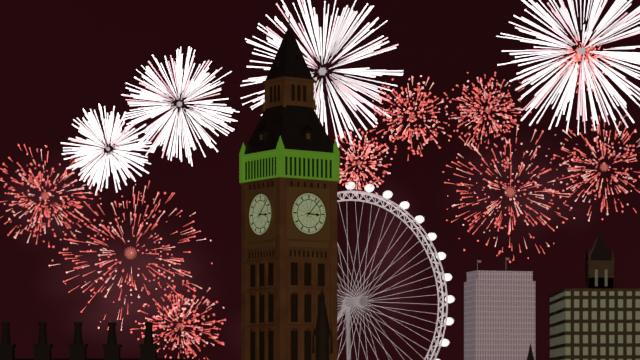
3:07
